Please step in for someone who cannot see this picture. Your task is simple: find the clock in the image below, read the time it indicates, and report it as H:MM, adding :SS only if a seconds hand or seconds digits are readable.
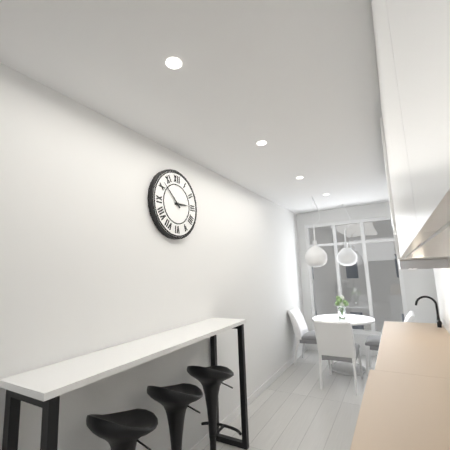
2:52
